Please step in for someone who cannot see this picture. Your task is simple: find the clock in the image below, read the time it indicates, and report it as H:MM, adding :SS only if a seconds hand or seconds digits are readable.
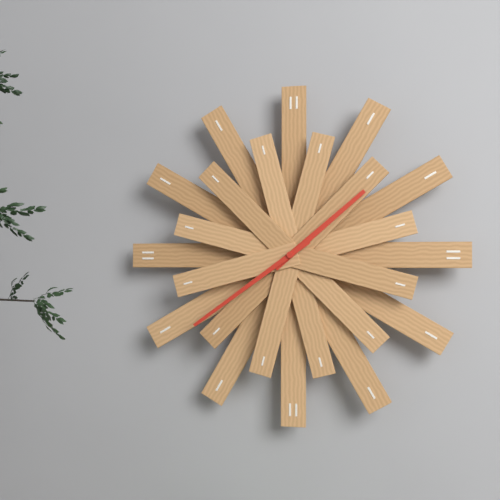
1:39
